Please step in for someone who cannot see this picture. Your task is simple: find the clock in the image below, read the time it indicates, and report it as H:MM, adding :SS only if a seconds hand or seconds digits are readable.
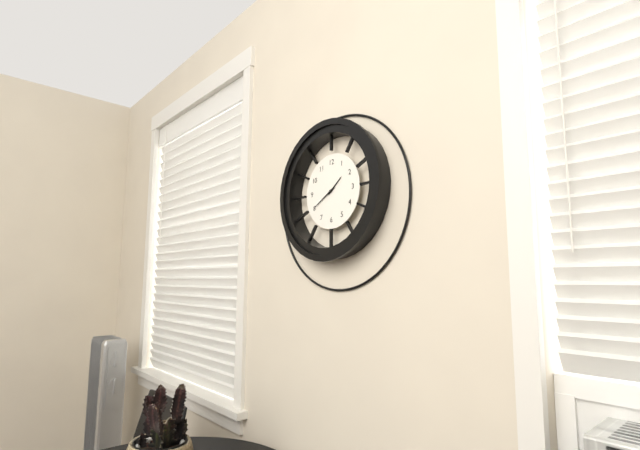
1:40
